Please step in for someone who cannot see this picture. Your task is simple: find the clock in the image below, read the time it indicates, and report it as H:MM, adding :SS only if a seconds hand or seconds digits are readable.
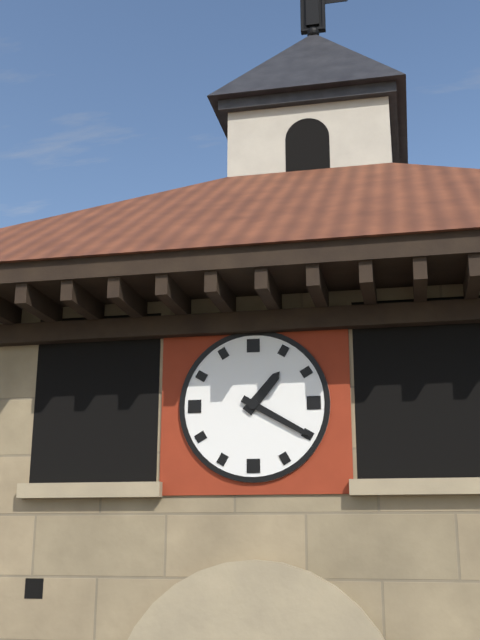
1:20
